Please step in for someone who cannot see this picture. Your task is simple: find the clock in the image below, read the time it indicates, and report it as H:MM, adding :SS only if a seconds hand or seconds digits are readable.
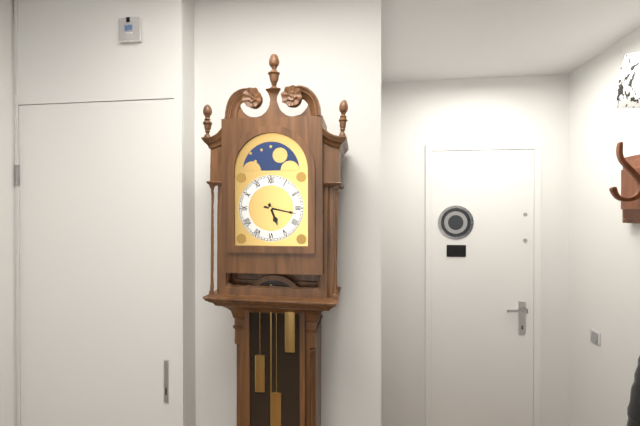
5:17
